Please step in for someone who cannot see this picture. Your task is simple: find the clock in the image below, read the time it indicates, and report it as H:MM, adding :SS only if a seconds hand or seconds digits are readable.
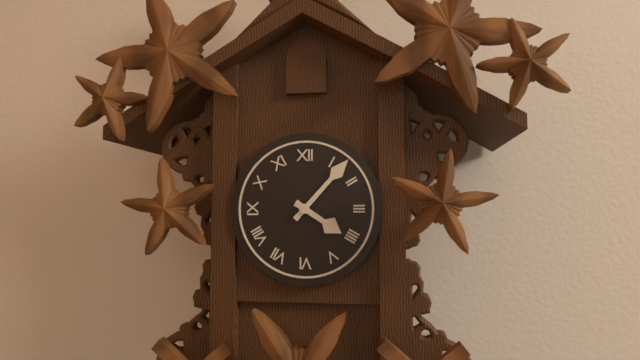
4:07
